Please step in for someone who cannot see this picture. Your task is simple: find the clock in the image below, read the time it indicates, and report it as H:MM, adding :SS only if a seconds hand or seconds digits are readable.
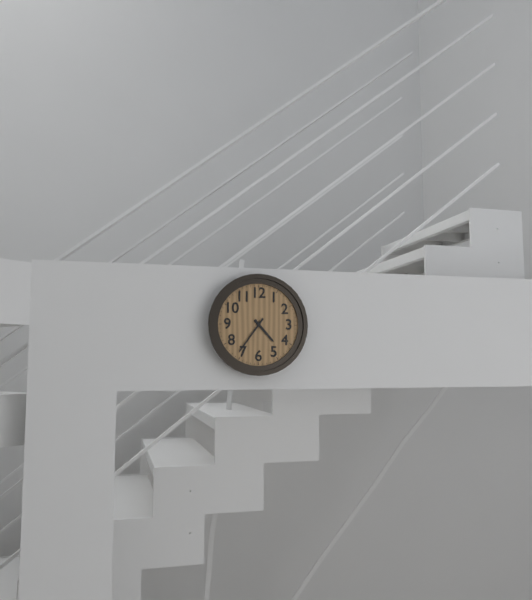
4:36
